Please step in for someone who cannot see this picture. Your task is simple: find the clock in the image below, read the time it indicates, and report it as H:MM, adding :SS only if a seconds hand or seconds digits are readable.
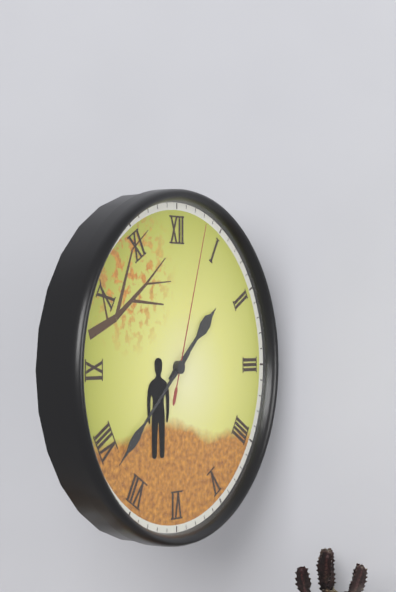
1:38:03
